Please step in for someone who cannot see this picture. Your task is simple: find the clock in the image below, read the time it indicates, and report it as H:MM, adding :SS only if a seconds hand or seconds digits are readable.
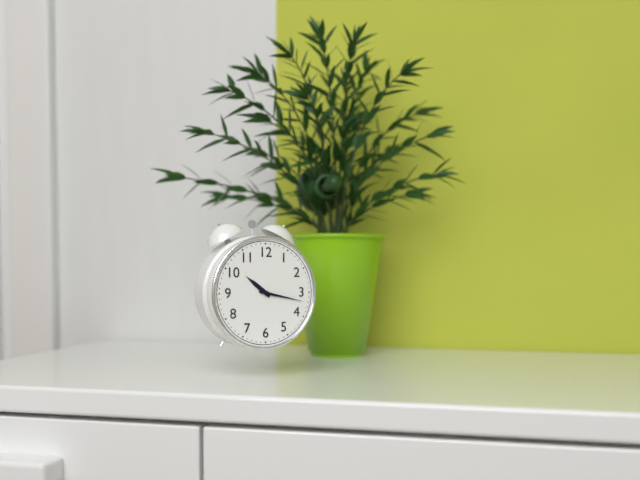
10:17
